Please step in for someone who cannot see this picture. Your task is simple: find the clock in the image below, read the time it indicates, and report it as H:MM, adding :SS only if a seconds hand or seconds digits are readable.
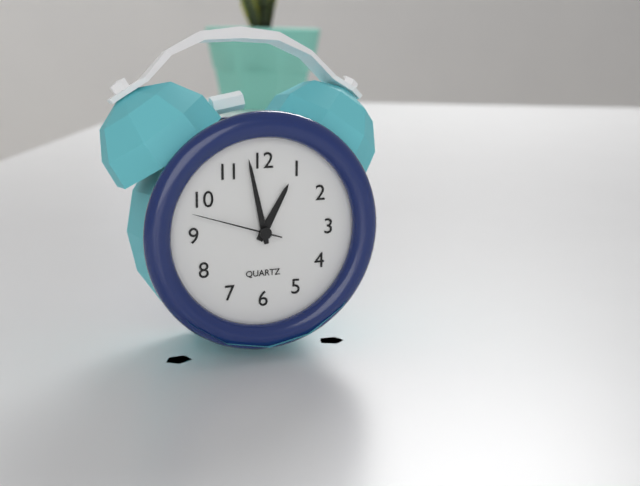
12:58:48
